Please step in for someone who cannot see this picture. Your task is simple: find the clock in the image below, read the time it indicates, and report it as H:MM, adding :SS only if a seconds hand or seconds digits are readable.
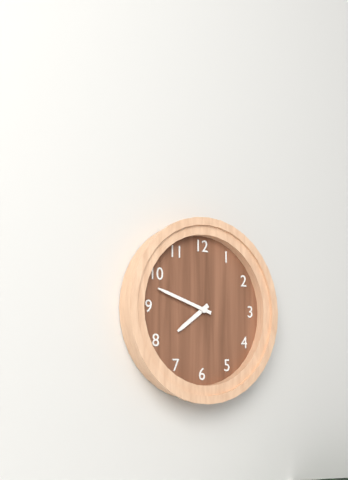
7:48
